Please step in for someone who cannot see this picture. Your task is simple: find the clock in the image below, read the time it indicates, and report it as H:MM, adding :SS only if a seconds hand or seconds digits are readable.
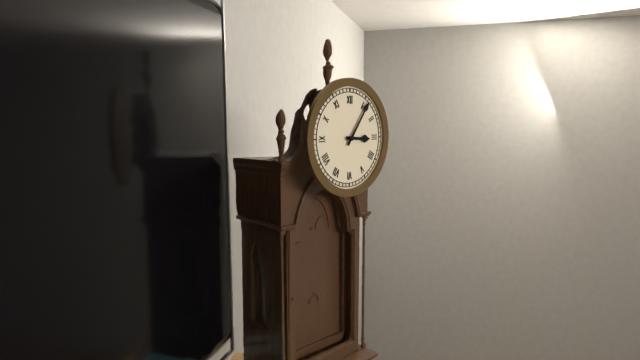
3:06
